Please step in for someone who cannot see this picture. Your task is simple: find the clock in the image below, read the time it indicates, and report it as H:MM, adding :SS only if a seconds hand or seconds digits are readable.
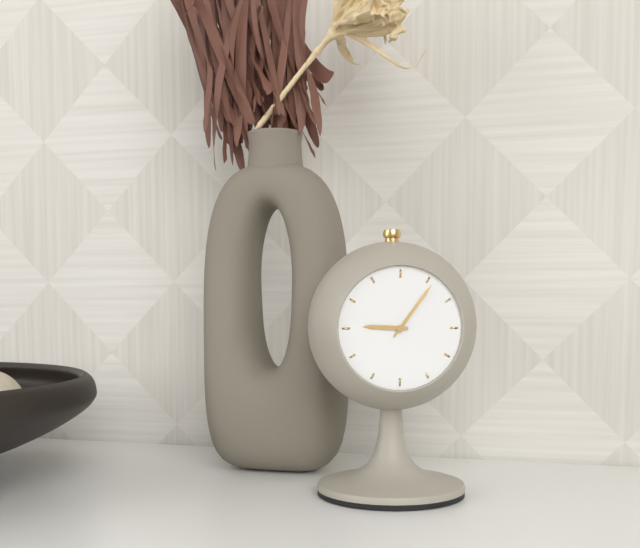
9:06
